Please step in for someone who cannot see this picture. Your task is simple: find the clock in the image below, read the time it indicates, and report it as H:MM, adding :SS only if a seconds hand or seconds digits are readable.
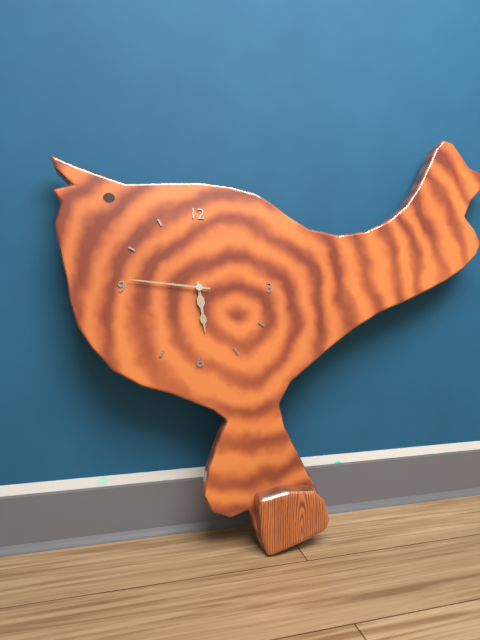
5:46
